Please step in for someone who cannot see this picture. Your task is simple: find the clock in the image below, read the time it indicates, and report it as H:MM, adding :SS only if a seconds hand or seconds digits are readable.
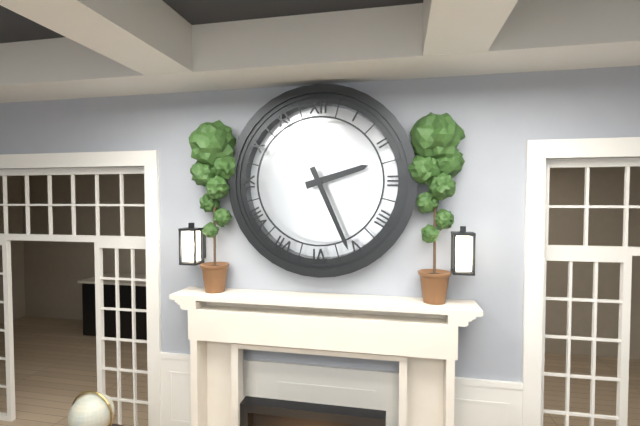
2:26
